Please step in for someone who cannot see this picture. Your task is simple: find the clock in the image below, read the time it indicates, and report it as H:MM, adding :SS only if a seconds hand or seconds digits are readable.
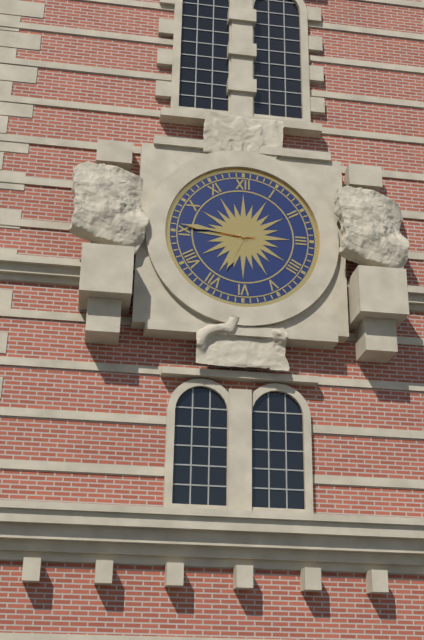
6:46
